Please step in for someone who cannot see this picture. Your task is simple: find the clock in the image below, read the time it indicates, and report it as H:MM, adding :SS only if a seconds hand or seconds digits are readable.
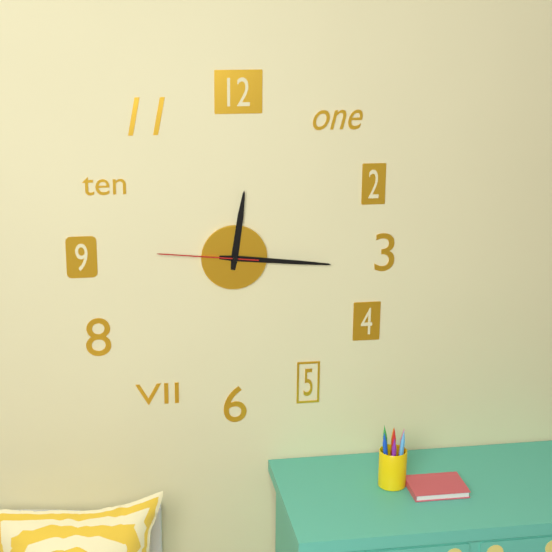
12:16:46
